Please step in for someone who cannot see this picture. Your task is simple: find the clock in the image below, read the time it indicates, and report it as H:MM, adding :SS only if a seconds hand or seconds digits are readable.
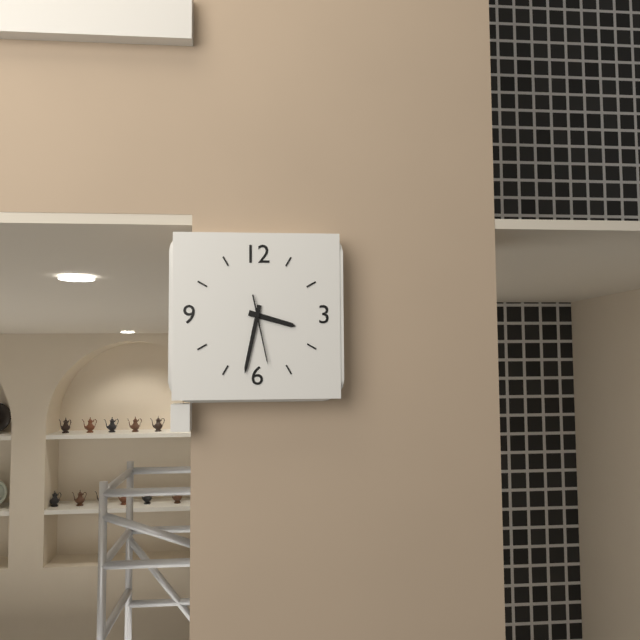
3:32:28
